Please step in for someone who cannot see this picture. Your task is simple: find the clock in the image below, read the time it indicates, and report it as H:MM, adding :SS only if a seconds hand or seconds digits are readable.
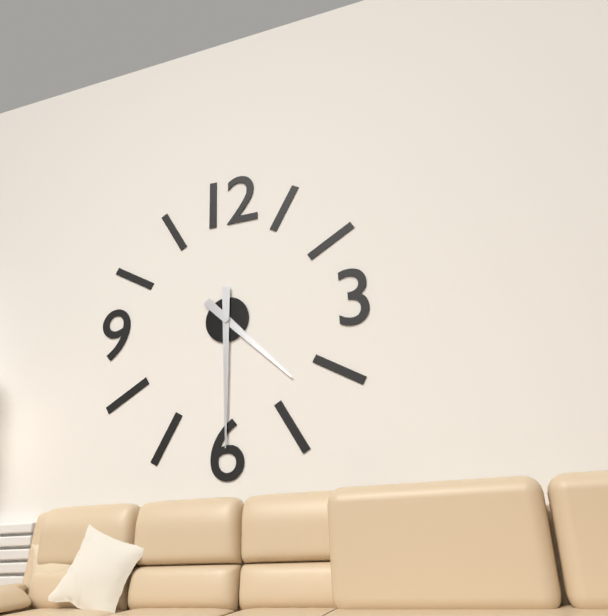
4:30
